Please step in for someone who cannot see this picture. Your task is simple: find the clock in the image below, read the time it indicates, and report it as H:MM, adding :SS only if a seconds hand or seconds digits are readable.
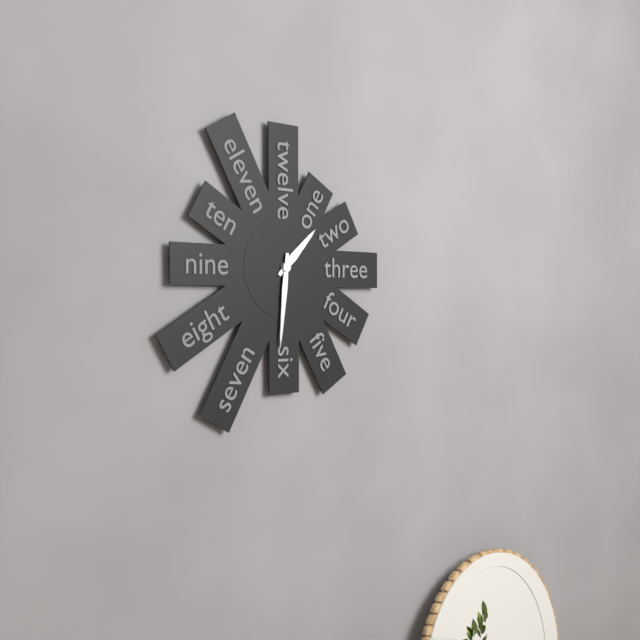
1:31
